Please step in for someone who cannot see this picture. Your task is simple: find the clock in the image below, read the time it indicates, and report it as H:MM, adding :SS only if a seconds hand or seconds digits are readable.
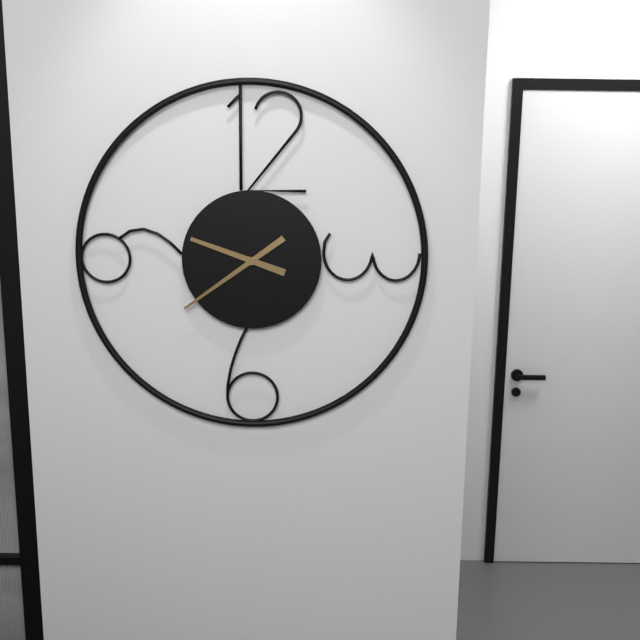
9:39
